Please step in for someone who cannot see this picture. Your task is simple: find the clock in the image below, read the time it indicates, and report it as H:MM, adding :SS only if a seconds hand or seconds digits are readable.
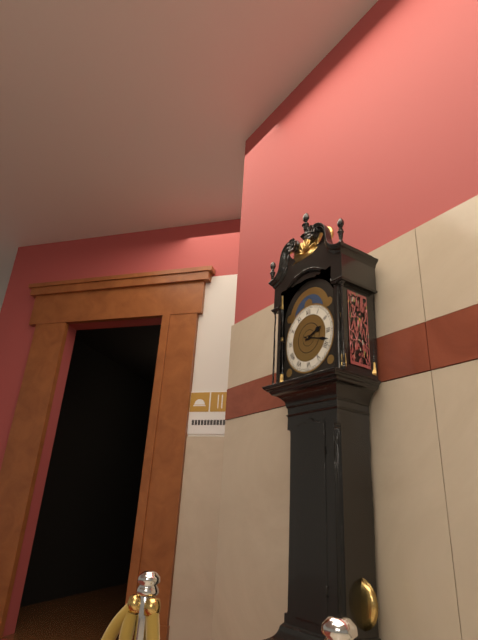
2:18
